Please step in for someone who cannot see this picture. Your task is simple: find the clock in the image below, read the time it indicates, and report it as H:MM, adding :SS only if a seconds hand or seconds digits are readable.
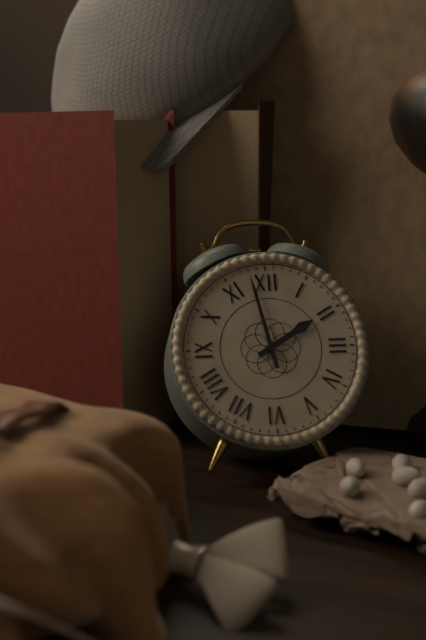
1:58
